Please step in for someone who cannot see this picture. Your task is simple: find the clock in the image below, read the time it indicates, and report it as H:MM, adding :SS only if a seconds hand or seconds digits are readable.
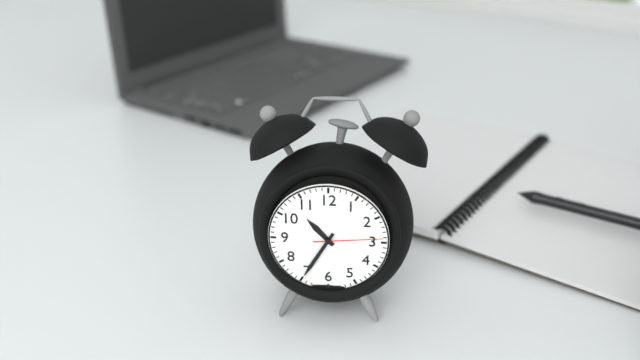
10:35:14
